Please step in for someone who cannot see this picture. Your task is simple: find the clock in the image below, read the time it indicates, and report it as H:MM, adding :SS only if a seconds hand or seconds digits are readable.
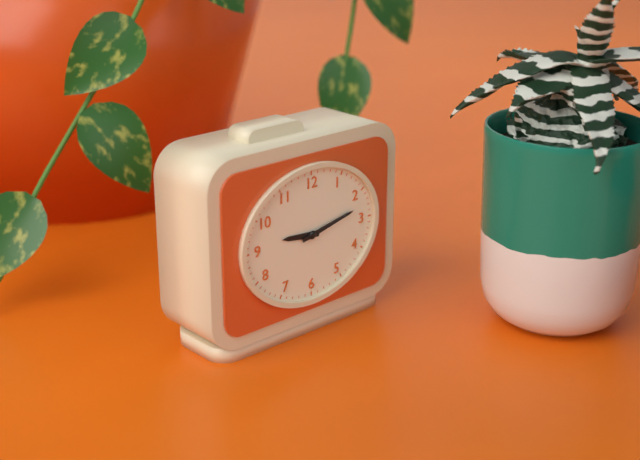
9:13
